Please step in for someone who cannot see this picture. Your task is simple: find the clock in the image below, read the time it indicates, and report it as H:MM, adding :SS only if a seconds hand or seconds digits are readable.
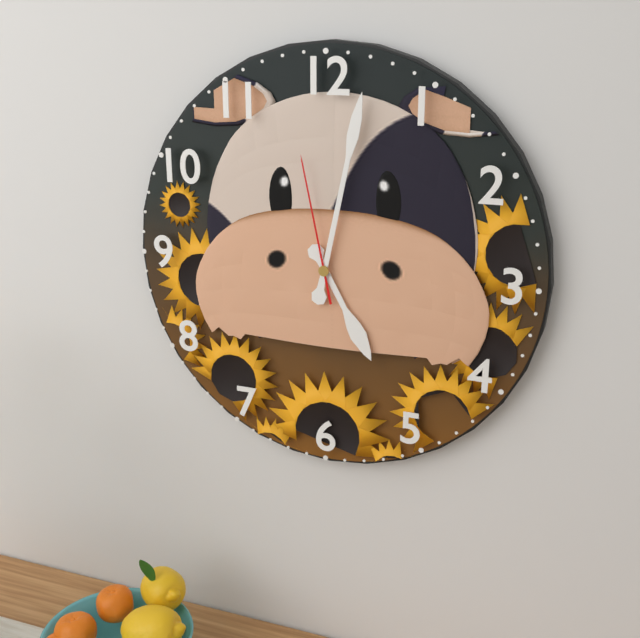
5:02:58
